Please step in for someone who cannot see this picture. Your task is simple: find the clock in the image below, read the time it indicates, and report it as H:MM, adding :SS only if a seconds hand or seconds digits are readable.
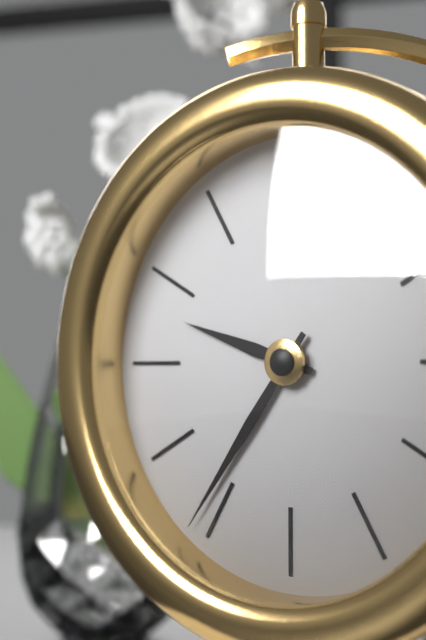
9:36
